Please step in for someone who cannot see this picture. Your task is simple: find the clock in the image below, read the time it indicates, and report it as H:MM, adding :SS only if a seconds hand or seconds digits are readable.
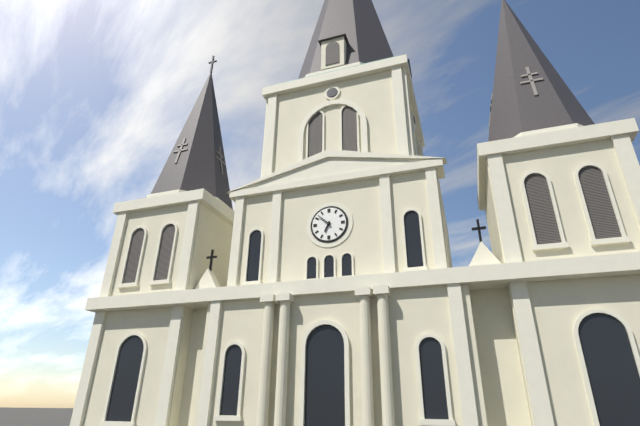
6:52
